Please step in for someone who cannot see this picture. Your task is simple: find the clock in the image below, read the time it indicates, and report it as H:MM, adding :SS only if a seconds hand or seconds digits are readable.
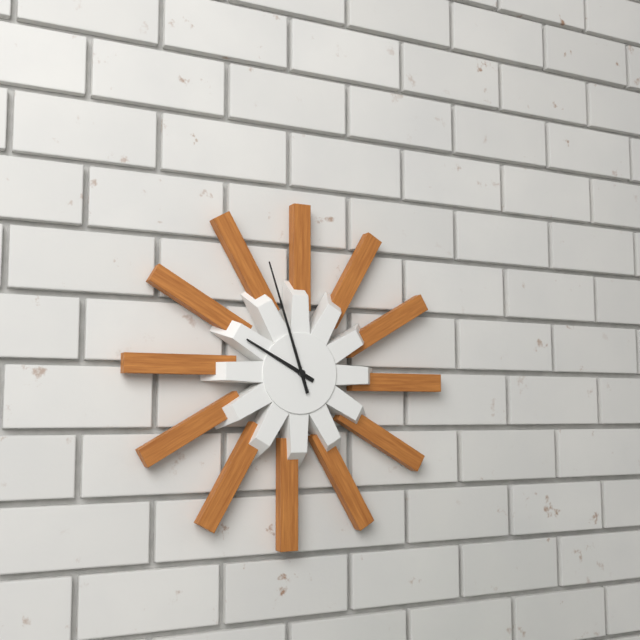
9:57
